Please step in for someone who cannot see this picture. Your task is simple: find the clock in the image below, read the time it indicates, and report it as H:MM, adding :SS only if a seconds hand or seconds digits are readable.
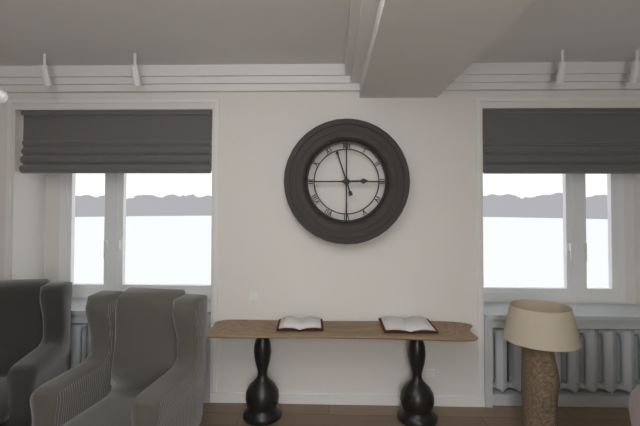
2:57
